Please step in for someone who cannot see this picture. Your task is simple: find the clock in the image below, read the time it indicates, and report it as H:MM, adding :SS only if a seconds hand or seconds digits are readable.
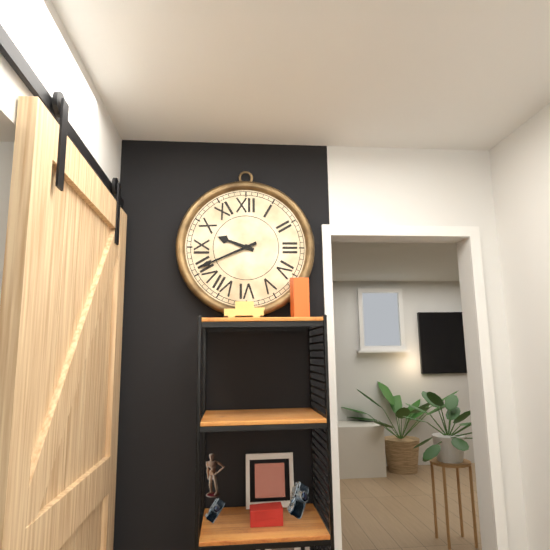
9:41
